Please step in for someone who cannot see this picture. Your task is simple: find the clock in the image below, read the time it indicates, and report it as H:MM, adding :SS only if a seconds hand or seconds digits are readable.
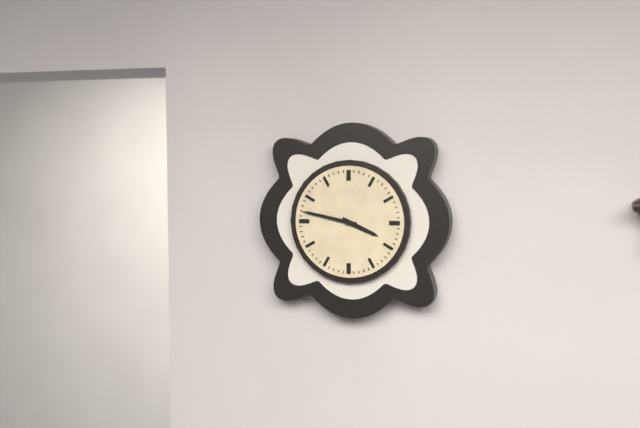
3:47
